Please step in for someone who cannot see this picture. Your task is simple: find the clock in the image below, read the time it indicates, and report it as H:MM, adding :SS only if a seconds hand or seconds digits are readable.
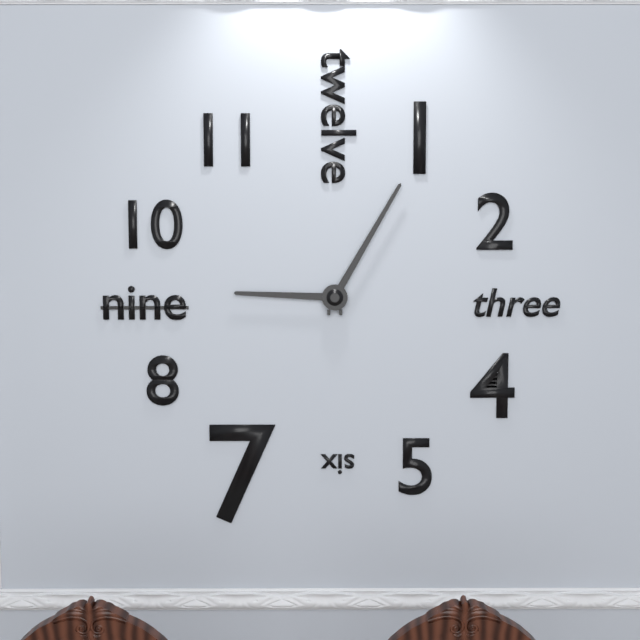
9:05
